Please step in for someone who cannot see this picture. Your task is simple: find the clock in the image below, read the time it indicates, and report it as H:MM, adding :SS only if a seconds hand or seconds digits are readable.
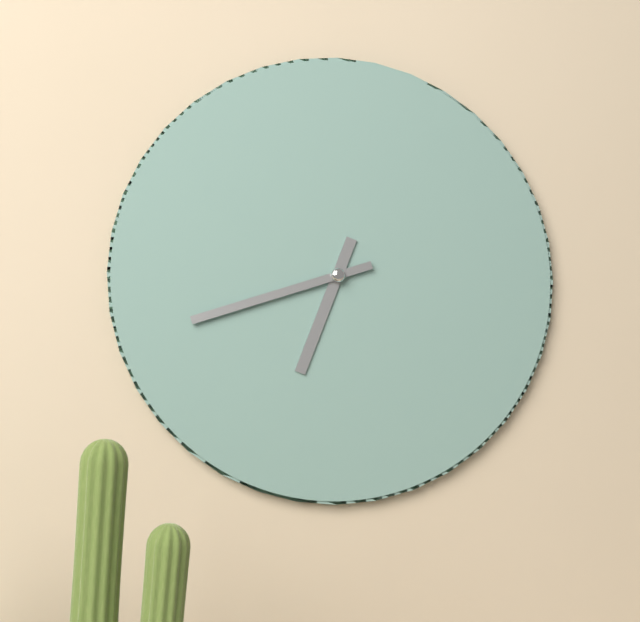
6:42
